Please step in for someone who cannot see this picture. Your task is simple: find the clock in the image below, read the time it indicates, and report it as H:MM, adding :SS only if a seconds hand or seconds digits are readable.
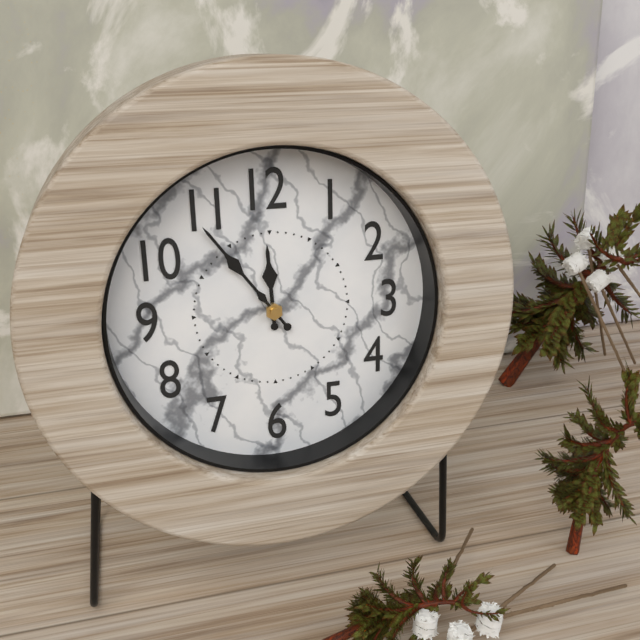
11:54
